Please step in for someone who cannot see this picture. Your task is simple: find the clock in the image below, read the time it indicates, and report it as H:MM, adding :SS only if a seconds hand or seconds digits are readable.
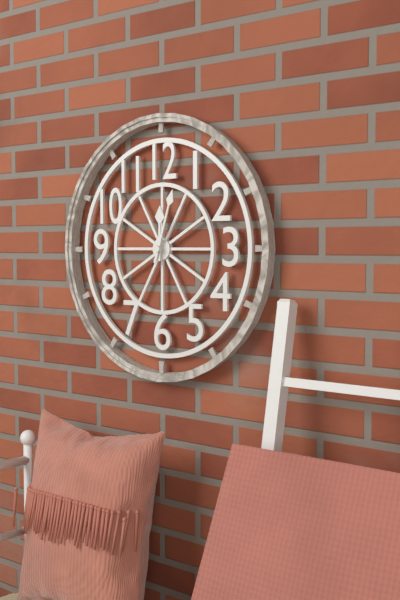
12:03
